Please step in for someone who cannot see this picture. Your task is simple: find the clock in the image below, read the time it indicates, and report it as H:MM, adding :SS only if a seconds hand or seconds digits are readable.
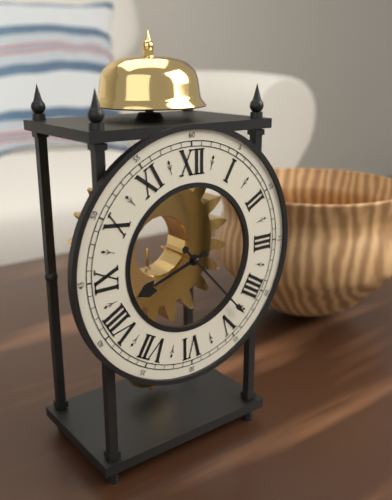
8:23
